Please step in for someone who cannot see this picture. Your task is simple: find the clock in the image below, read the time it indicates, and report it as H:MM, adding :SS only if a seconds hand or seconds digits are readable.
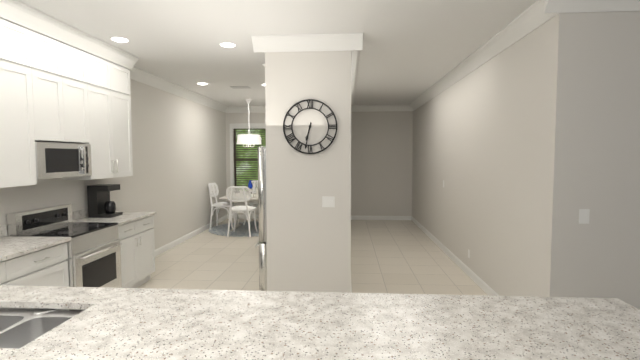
6:32
